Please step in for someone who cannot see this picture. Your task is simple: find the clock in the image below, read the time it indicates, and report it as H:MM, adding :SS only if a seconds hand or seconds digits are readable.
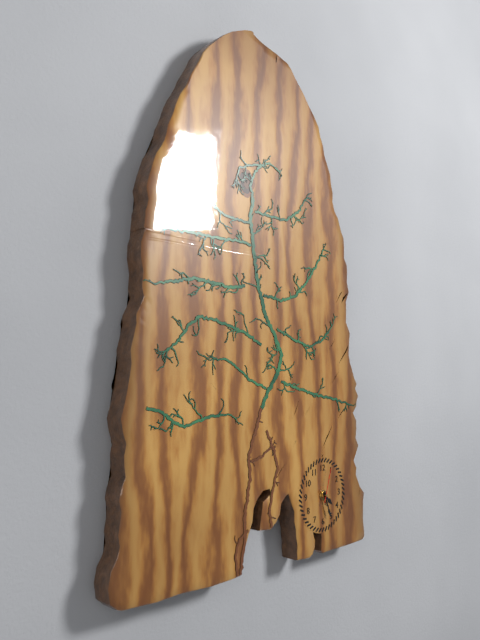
4:27
